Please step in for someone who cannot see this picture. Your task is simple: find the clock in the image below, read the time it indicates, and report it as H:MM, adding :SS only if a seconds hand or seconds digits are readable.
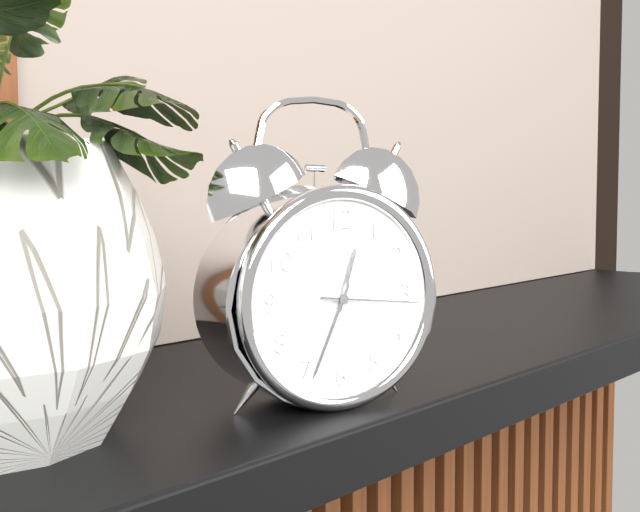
12:34:16
